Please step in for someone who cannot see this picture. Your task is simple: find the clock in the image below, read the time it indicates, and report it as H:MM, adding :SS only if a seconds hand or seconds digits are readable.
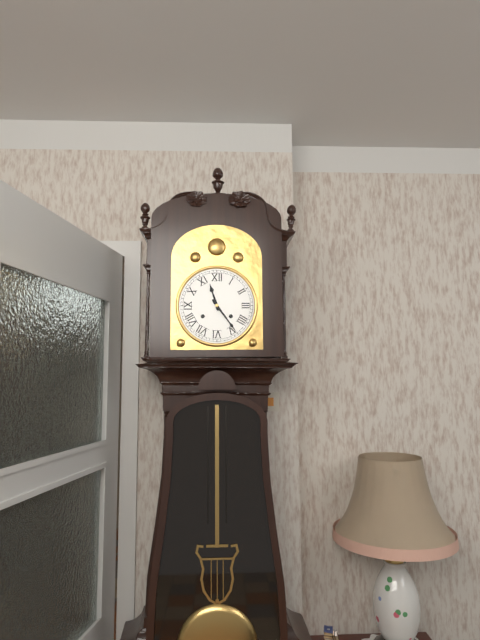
11:24
